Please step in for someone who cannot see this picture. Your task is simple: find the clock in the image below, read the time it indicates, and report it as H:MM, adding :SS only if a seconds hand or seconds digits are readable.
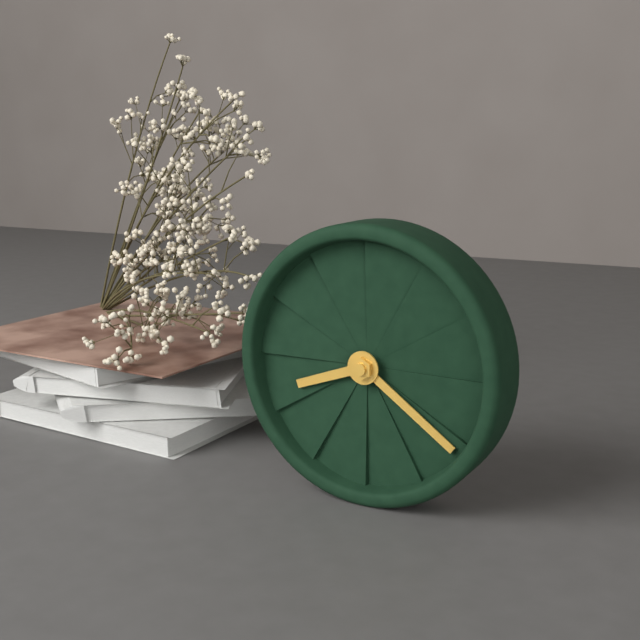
8:21
